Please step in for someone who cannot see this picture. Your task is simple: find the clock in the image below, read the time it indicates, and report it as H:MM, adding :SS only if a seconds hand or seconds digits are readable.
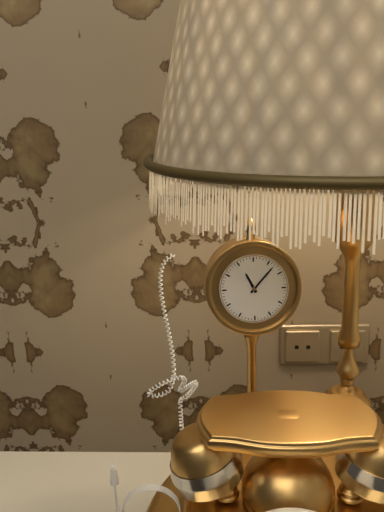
11:07
